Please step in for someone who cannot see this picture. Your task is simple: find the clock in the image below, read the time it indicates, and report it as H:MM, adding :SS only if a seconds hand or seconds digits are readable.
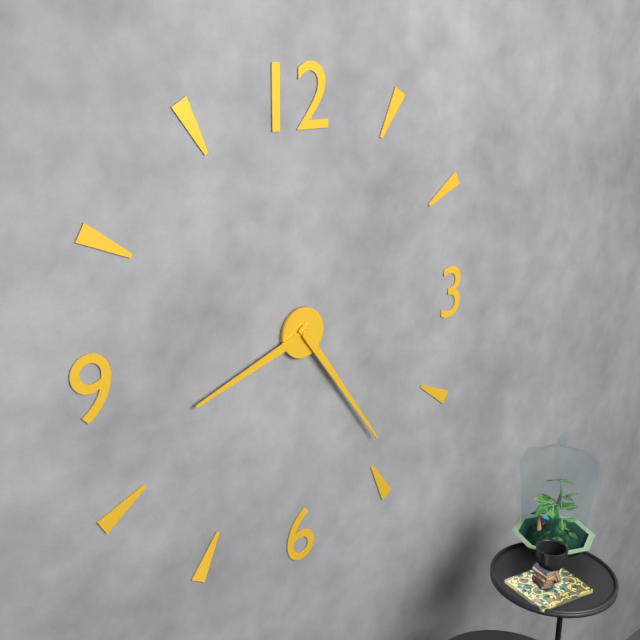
8:24
